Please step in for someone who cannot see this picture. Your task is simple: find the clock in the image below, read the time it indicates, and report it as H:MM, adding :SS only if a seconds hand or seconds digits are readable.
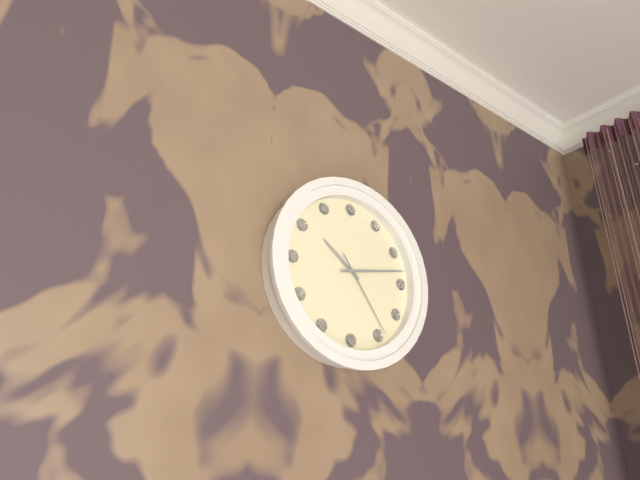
10:13:24
